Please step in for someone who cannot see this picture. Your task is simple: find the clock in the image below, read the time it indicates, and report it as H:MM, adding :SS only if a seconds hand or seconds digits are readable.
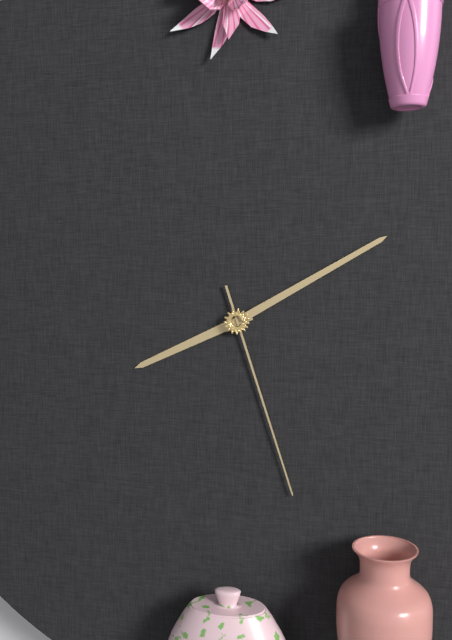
8:10:27
